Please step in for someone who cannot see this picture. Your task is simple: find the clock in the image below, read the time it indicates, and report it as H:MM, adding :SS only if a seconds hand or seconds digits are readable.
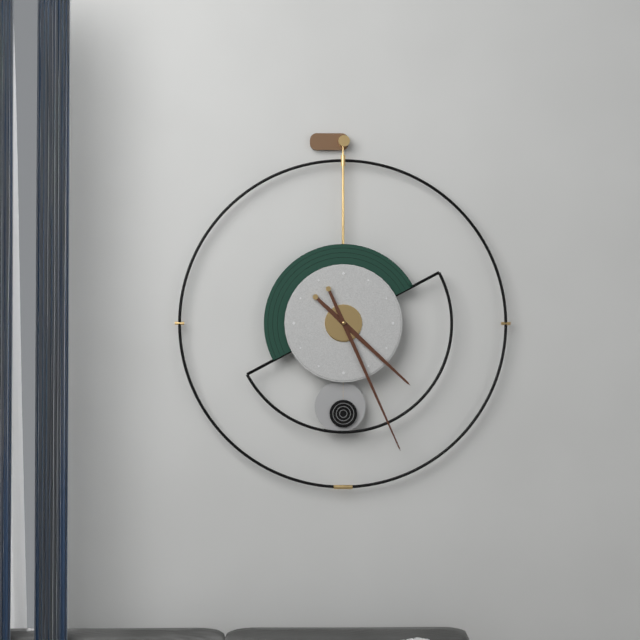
4:26
